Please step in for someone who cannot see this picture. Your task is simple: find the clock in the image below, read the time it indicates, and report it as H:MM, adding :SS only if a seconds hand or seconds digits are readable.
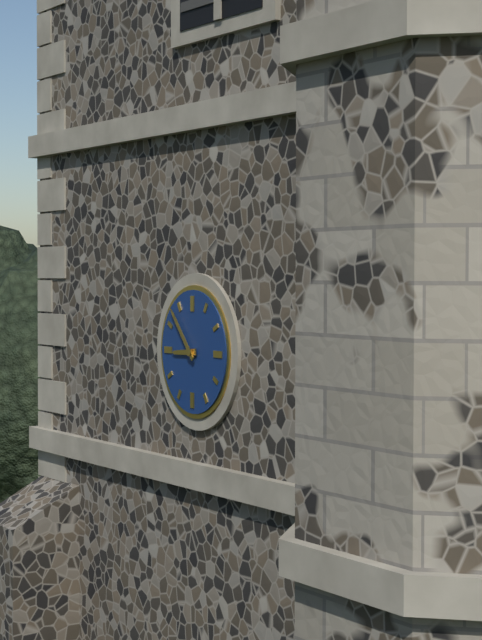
8:53
